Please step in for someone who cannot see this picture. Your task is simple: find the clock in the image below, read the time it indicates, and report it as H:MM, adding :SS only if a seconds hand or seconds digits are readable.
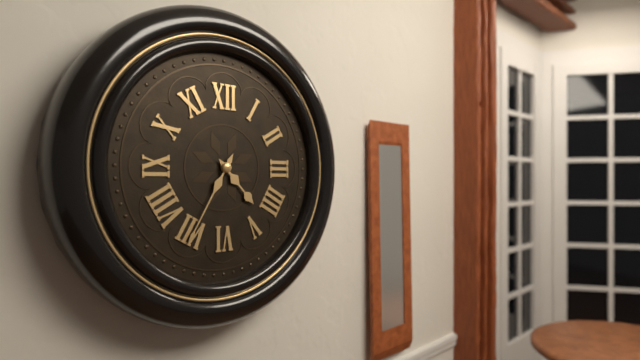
4:35
